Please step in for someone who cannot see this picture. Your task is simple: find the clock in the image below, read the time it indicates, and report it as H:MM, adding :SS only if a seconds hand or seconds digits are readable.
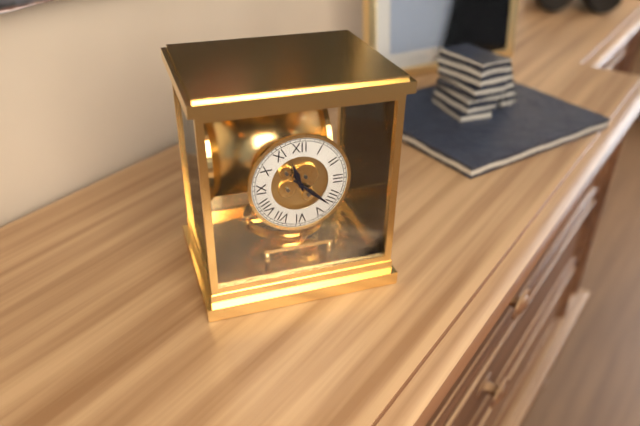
11:22
